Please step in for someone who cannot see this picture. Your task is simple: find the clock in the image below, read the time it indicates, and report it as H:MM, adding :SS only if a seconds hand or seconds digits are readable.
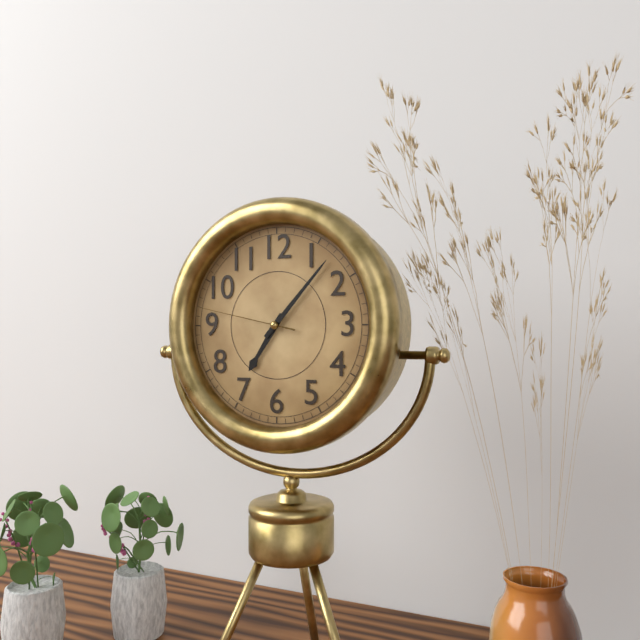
7:07:47
